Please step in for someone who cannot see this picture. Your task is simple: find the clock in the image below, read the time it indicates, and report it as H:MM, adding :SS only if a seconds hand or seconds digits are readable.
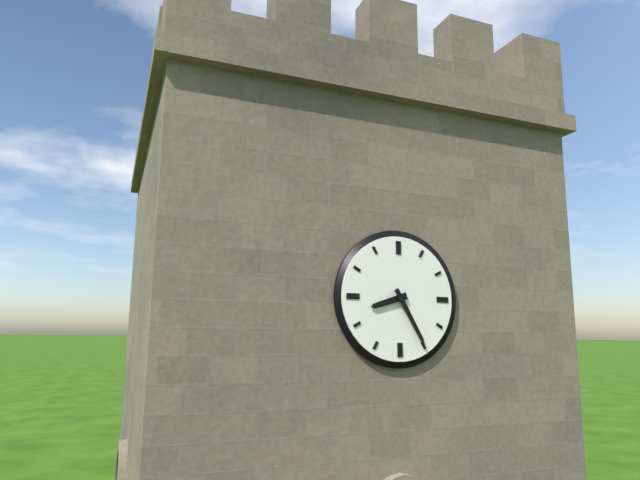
8:25
